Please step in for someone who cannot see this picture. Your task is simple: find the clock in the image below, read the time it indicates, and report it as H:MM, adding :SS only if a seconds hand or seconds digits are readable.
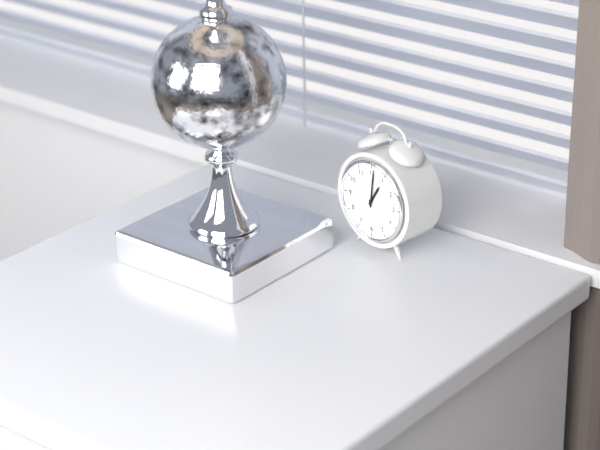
1:01
